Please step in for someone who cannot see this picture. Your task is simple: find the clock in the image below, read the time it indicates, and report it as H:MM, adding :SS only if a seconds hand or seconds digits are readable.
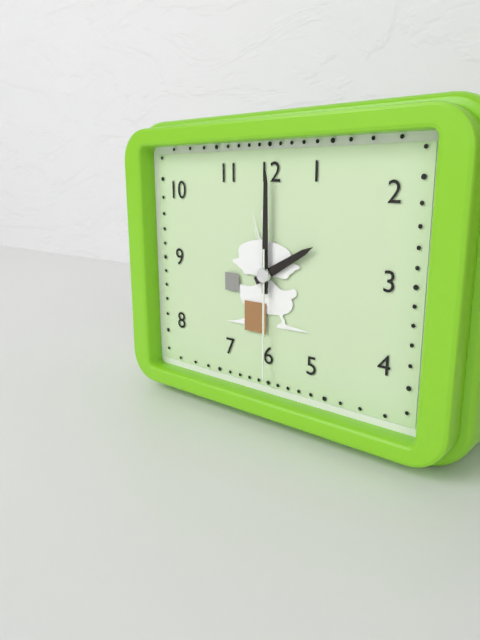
2:00:30
